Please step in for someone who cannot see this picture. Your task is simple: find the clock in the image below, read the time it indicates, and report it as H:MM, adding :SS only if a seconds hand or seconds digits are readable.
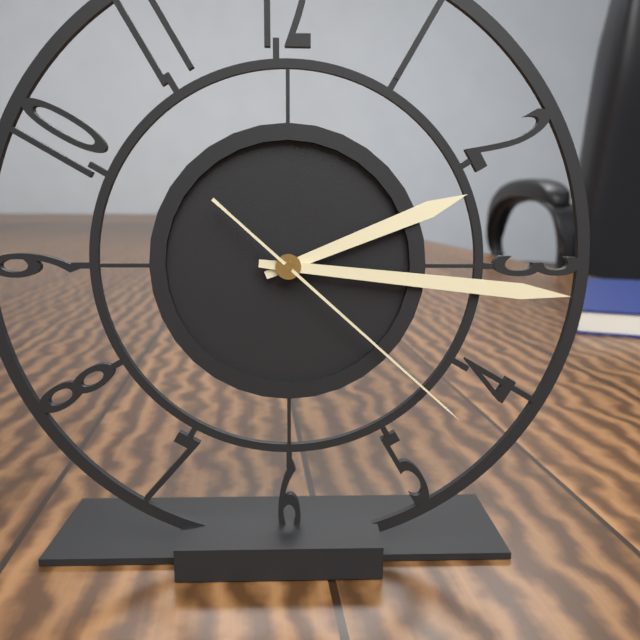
2:16:22
